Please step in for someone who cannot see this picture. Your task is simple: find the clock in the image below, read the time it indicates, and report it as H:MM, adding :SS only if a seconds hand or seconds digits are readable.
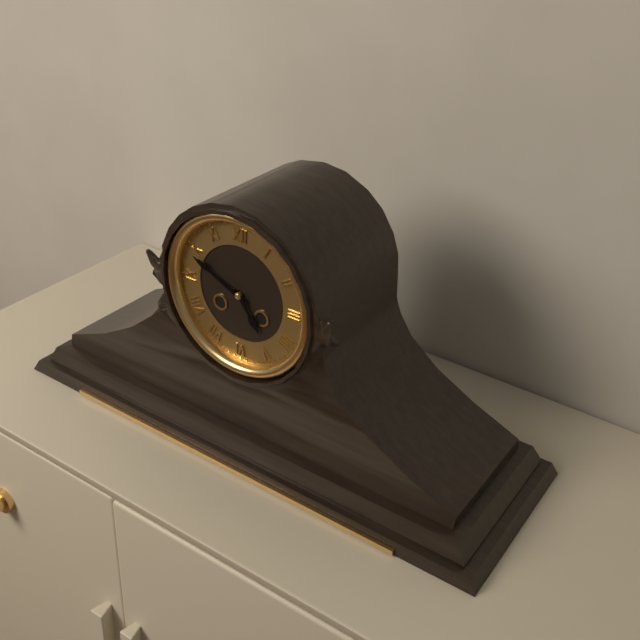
4:49
